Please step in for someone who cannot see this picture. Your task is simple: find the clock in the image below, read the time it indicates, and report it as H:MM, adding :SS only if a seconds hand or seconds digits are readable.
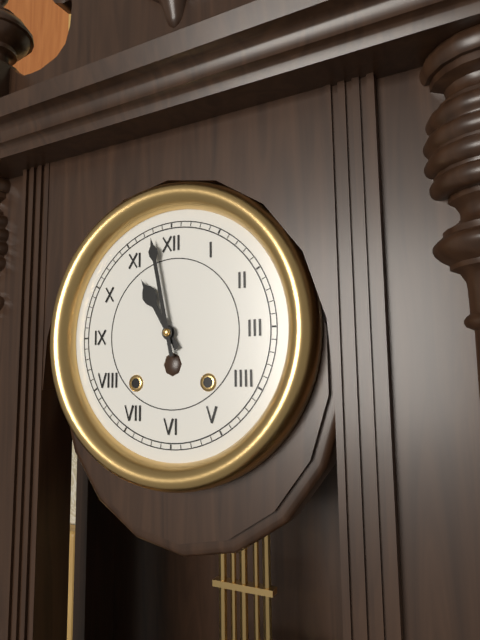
10:58
